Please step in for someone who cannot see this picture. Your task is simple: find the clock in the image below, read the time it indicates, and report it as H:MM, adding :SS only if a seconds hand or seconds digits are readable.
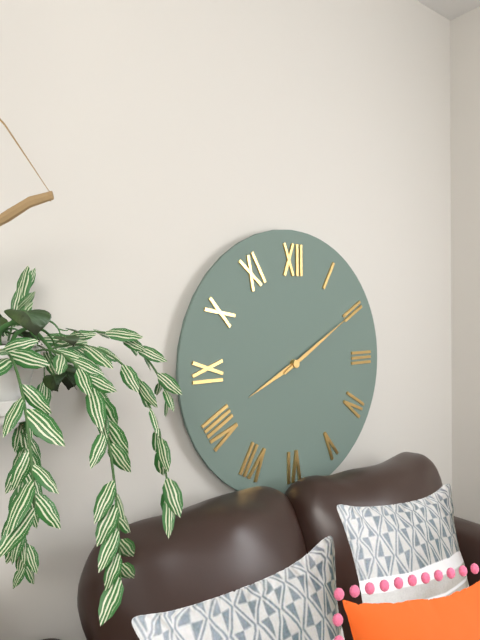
8:10
